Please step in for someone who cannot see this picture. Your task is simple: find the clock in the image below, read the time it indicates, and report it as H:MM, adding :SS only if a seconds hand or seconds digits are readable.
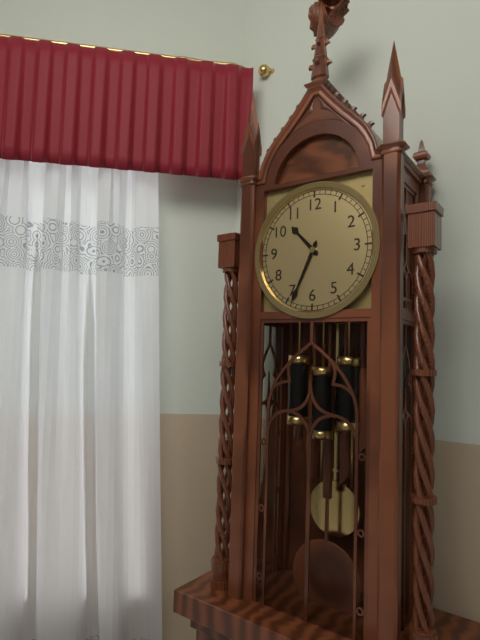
10:34
